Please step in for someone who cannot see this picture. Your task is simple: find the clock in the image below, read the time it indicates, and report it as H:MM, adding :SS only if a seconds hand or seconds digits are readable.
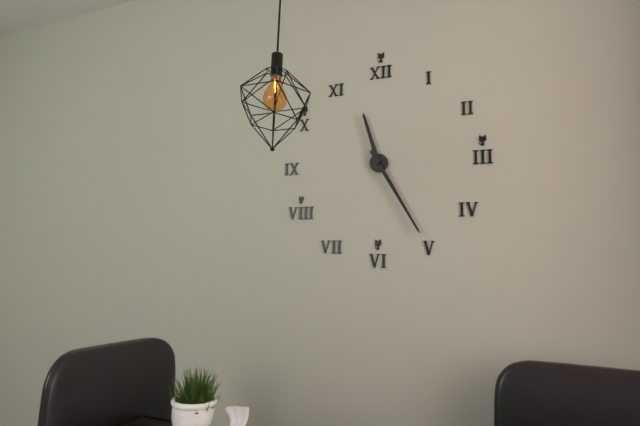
11:25
